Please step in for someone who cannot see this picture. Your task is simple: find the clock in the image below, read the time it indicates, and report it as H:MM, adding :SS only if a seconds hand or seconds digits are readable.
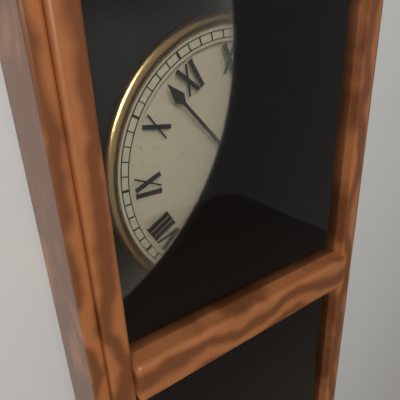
12:53
